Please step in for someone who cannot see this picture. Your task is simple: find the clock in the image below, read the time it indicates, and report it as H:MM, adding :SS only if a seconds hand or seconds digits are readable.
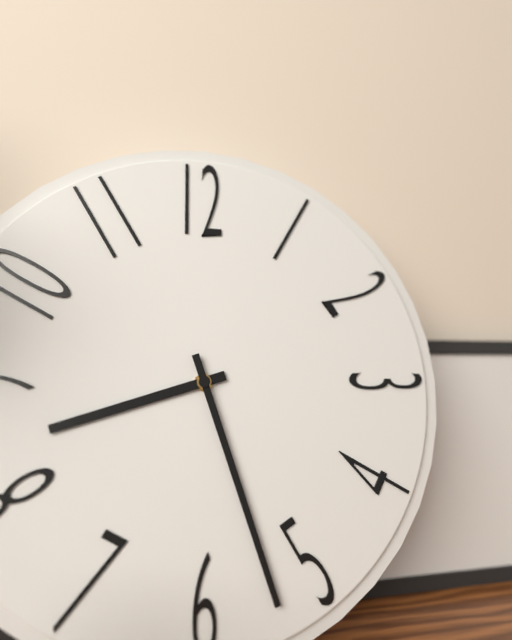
8:27
